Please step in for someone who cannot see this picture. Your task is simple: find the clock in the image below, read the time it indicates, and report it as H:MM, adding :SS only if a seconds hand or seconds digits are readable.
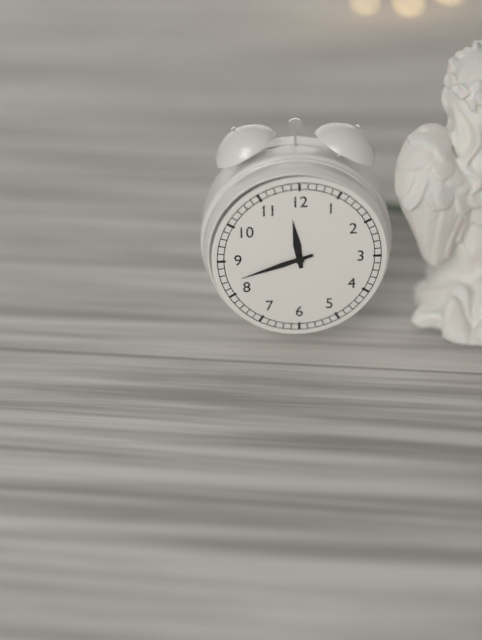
11:42
